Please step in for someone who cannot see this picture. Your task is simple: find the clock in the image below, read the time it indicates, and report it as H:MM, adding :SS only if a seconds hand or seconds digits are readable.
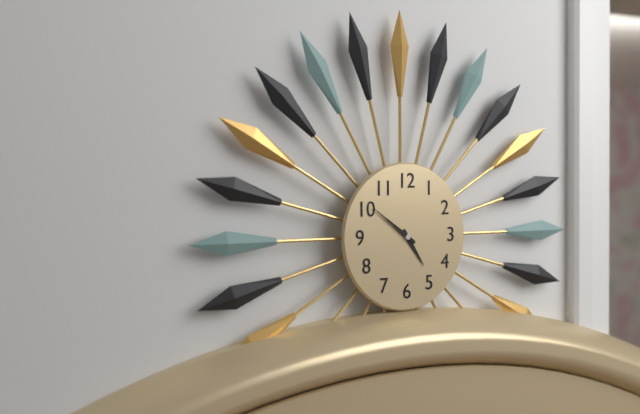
4:51
